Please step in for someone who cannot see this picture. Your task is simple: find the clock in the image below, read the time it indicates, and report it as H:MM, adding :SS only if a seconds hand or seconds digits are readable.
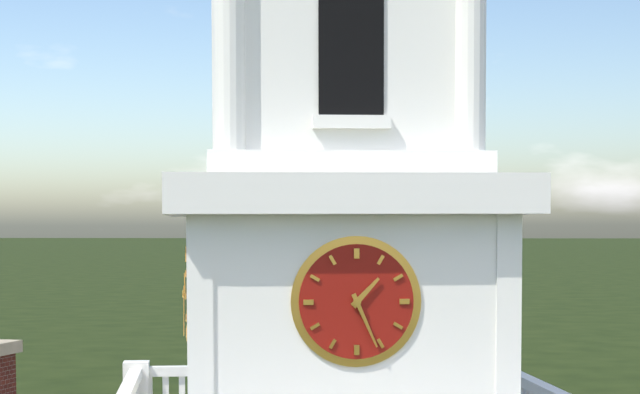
1:26
